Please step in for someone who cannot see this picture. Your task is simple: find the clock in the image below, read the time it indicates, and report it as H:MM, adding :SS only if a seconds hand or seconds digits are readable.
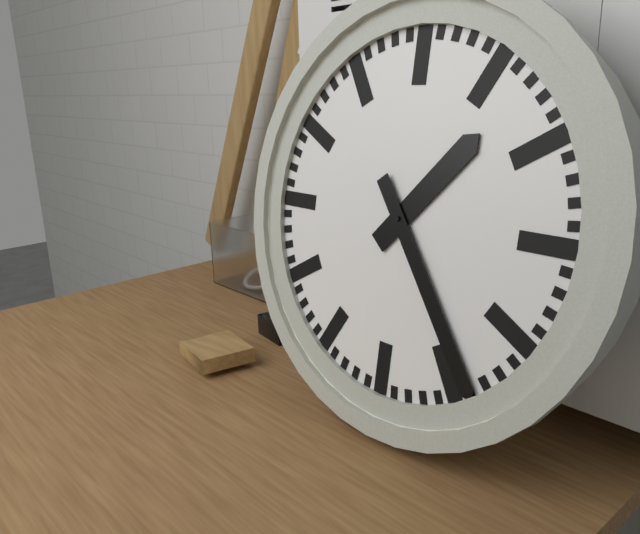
1:24
